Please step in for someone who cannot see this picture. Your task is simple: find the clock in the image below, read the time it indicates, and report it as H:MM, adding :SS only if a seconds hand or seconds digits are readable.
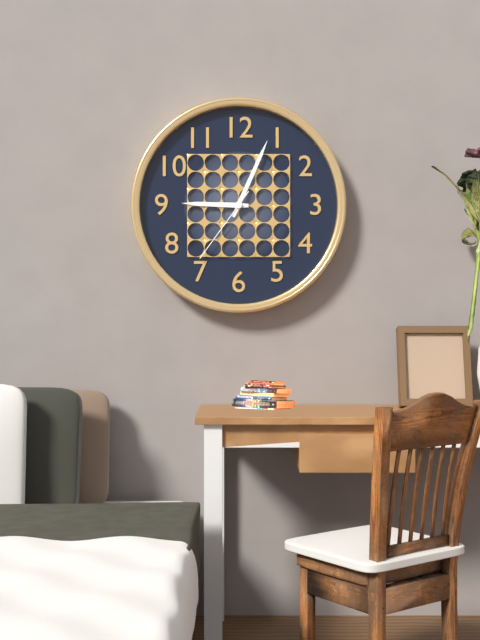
9:04:36
